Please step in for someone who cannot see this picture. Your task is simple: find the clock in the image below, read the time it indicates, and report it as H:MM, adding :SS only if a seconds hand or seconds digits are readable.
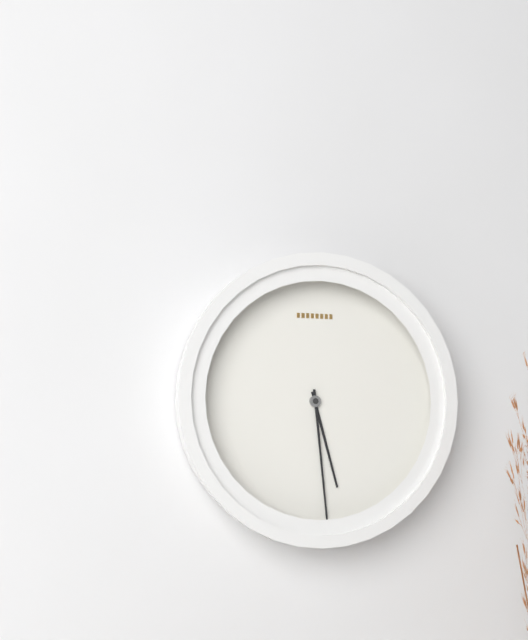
5:29
